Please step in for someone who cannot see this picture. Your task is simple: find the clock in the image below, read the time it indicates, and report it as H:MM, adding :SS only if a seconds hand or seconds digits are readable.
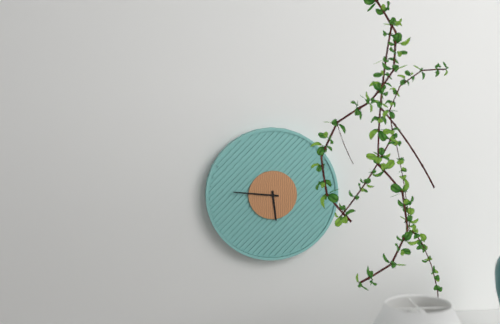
5:46
